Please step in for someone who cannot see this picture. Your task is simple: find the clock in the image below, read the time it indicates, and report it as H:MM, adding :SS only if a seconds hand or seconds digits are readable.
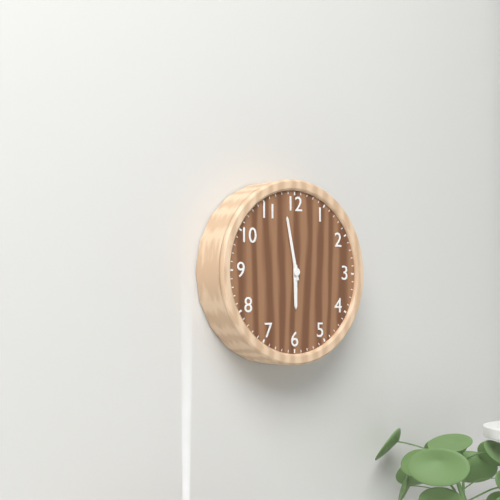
5:58
